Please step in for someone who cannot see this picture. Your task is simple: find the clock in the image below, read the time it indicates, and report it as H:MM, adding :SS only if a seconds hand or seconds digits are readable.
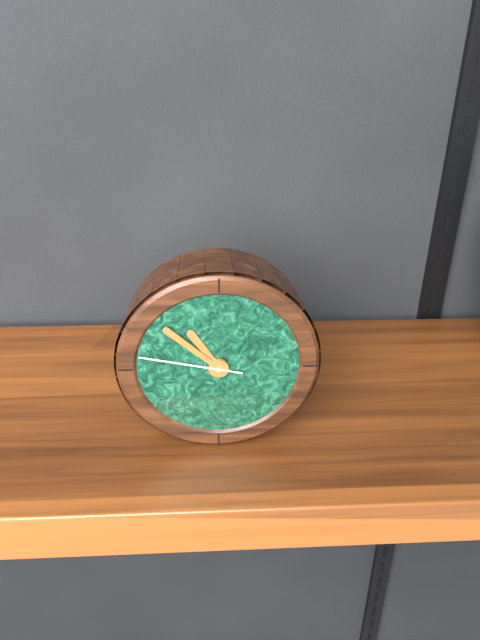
10:52:47
